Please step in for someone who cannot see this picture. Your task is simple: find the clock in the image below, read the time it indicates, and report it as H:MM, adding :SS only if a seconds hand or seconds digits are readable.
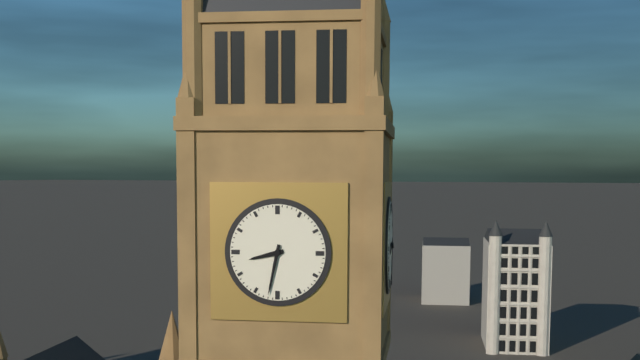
8:32
